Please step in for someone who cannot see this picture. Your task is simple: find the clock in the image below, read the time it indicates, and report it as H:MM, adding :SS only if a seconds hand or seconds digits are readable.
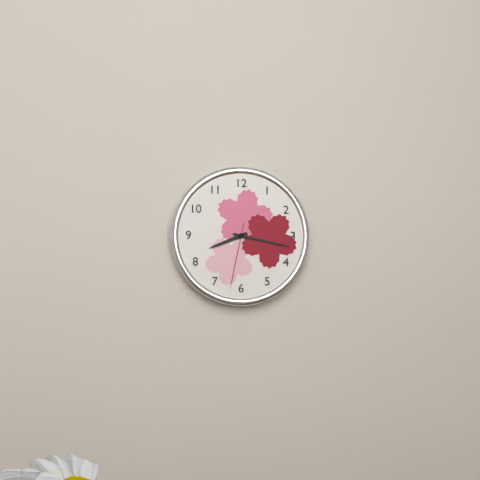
8:17:32
